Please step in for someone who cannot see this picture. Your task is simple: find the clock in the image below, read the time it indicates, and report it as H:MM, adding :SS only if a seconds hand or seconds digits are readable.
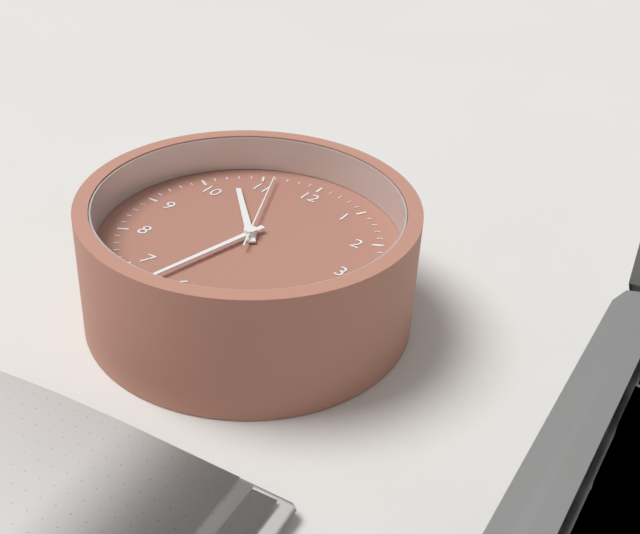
10:32:56
